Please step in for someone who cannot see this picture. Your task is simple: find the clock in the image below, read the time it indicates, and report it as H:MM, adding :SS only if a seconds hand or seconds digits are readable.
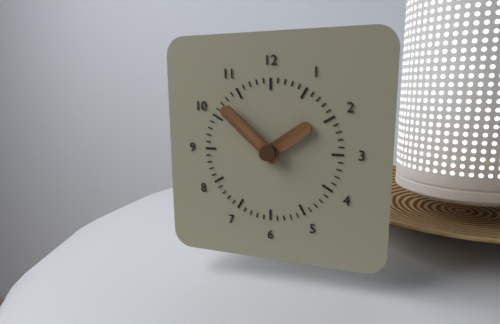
1:52
